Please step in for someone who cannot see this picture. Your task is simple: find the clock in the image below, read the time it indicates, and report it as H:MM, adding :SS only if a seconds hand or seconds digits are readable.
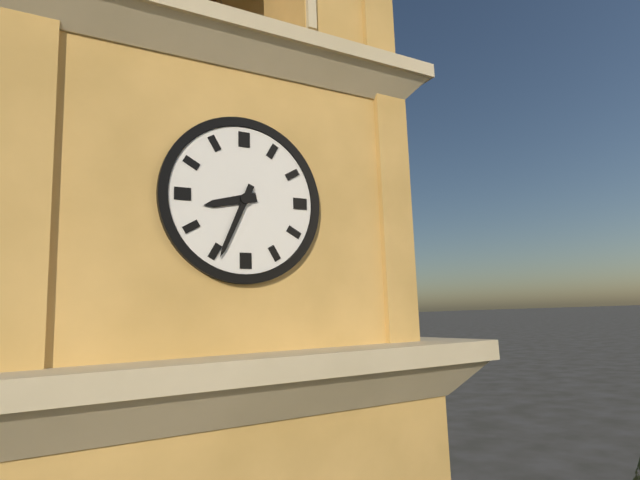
8:34
